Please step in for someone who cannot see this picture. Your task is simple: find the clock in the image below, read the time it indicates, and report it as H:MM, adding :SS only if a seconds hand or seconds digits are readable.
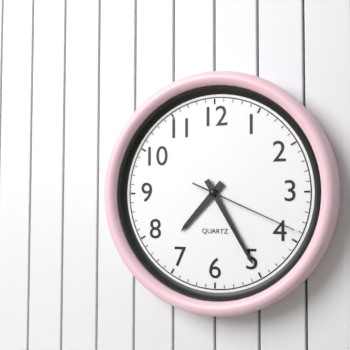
7:25:19
